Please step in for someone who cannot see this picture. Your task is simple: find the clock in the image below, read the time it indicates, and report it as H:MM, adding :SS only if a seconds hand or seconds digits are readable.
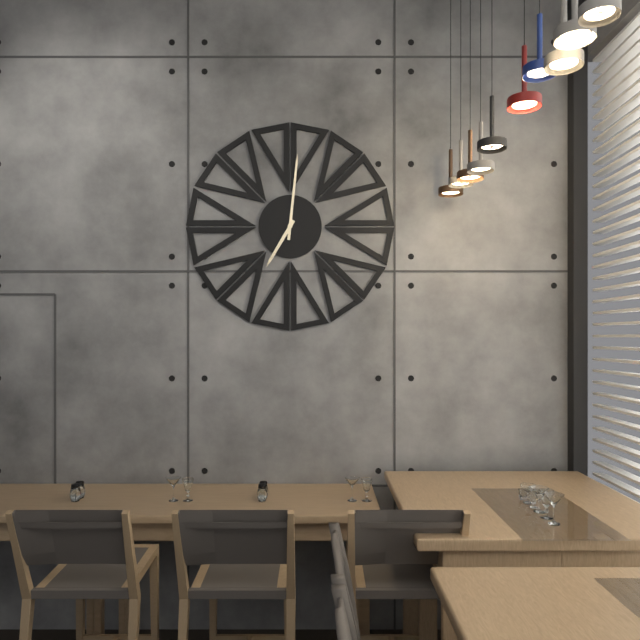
7:01
